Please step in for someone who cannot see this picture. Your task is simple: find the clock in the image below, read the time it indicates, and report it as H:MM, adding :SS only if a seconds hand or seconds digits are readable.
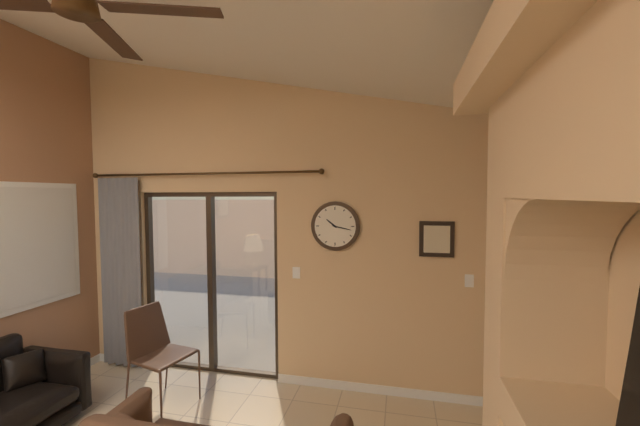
10:17
